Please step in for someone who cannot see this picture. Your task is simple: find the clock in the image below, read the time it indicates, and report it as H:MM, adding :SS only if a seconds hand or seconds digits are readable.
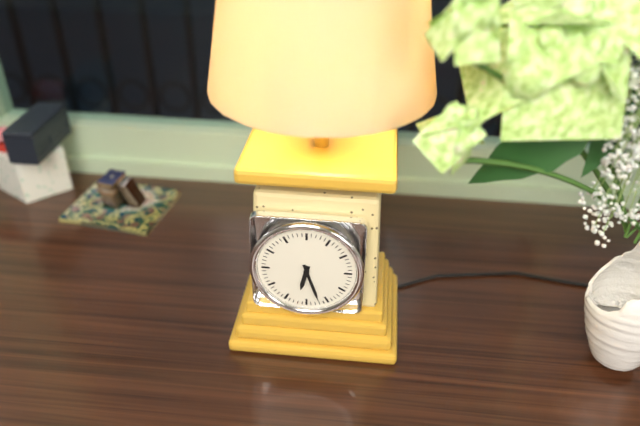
6:27
